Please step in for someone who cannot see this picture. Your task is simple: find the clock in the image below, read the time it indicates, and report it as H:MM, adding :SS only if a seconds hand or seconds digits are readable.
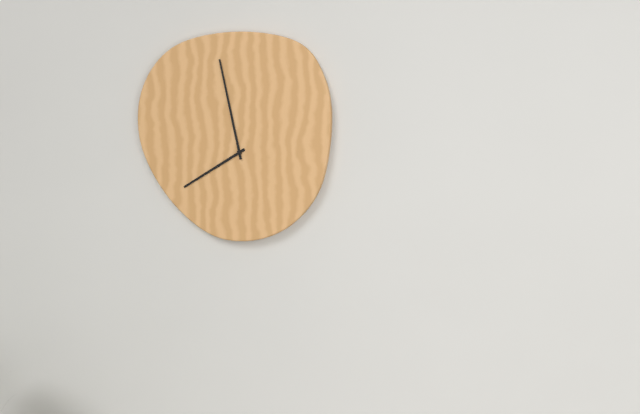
7:58
